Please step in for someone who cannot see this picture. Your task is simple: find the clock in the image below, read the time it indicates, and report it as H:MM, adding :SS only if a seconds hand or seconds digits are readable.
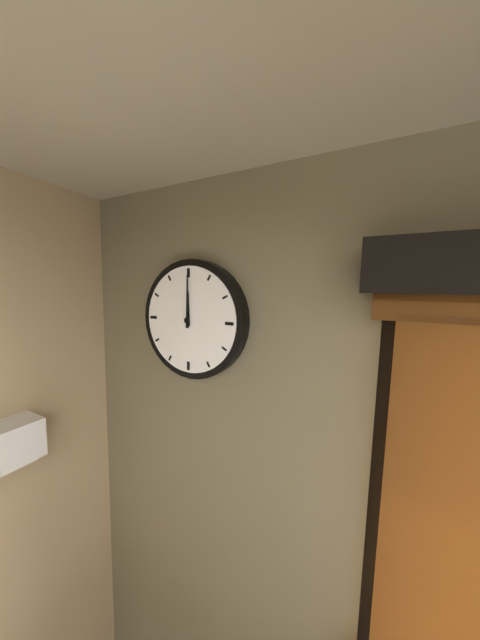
12:00
